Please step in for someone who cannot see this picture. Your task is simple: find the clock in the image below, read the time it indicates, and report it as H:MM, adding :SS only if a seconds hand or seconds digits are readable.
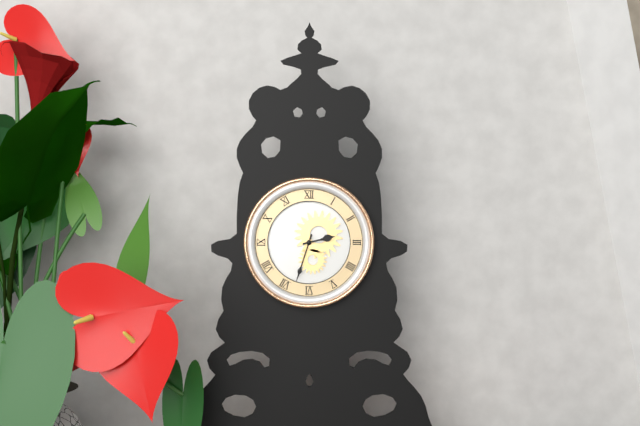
2:33
